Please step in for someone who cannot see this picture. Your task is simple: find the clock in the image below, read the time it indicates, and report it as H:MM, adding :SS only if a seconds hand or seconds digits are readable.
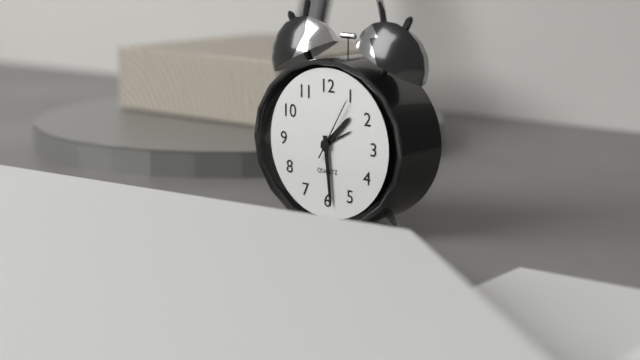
1:29:05
